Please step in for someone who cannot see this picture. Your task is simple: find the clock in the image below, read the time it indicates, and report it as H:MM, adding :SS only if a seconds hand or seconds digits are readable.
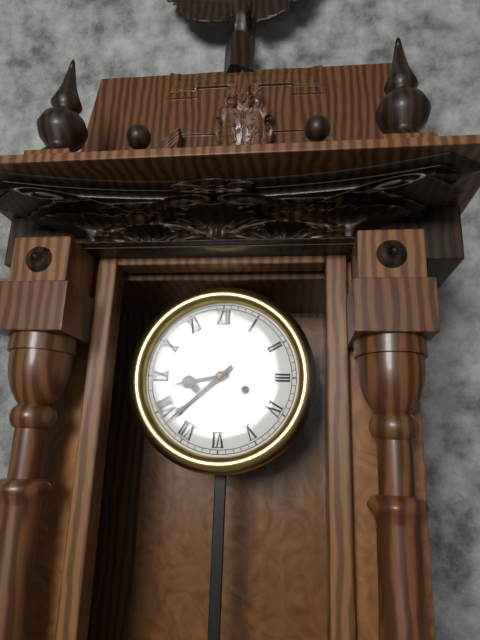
8:38
